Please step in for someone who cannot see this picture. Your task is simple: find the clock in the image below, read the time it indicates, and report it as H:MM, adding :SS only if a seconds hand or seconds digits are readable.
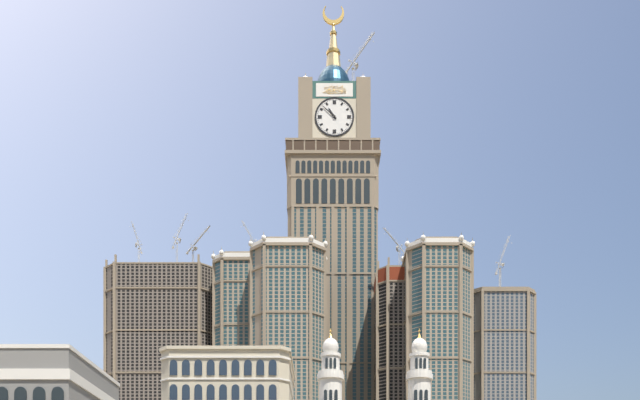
10:52
